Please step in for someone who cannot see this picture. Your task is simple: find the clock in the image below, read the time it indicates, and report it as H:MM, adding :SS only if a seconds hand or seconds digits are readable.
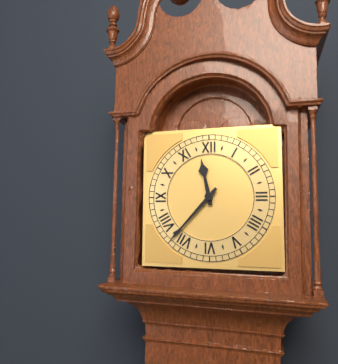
11:37
